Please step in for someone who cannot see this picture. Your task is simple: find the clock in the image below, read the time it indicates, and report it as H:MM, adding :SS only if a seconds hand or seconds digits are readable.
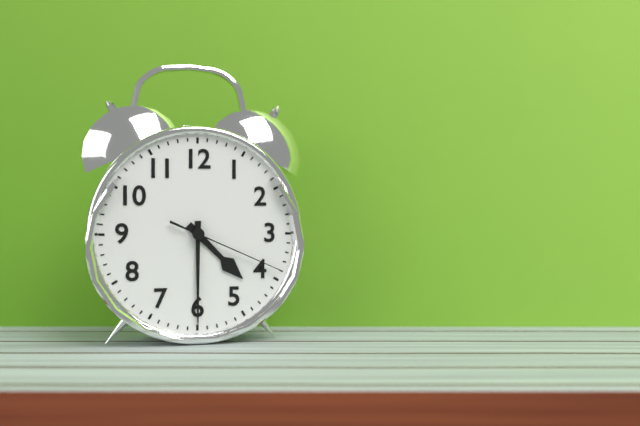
4:30:19
